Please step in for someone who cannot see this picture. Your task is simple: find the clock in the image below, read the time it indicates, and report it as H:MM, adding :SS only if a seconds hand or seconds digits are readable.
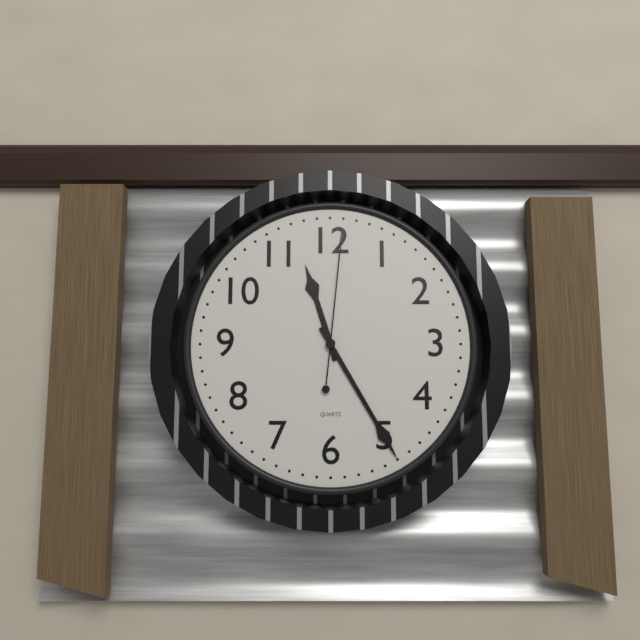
11:25:01
